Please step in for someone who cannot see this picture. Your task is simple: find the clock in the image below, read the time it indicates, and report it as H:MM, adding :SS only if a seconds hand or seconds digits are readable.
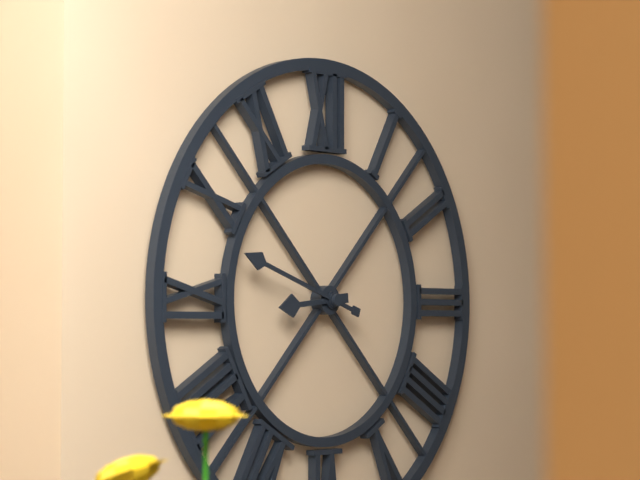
8:48
